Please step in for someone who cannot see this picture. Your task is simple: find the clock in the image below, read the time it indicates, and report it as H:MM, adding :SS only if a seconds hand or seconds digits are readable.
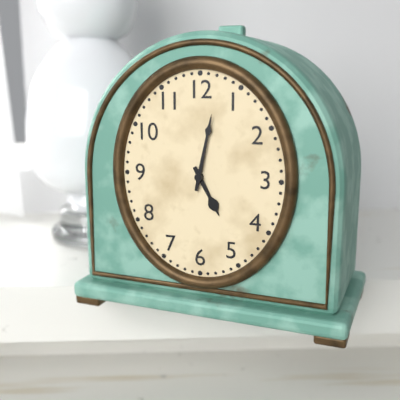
5:02
